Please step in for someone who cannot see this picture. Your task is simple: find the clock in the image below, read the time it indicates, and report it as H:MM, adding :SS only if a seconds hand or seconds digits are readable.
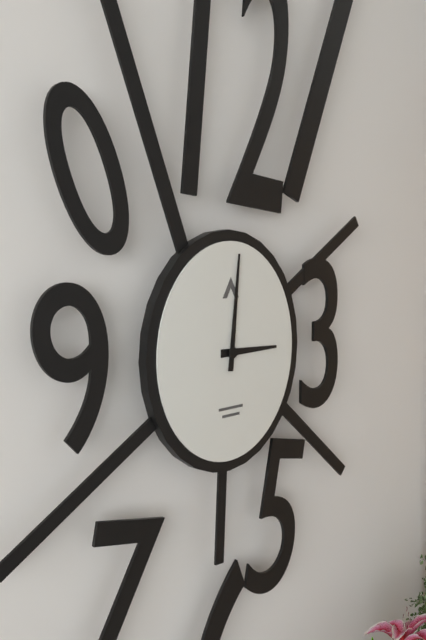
3:01
